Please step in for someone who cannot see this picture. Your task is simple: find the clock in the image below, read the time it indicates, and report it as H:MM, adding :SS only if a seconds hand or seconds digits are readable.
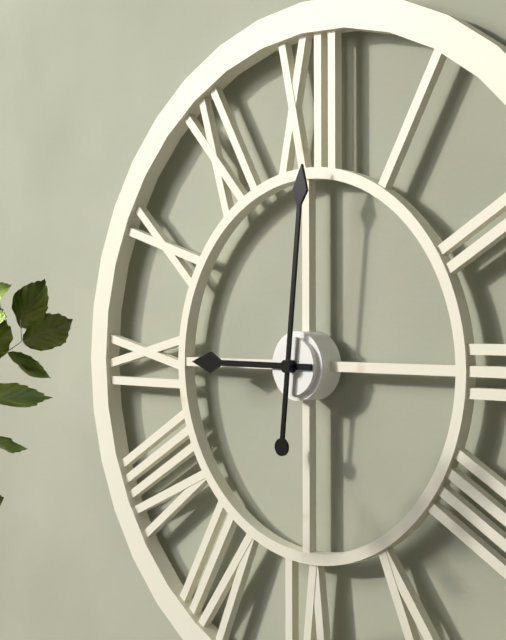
9:01
